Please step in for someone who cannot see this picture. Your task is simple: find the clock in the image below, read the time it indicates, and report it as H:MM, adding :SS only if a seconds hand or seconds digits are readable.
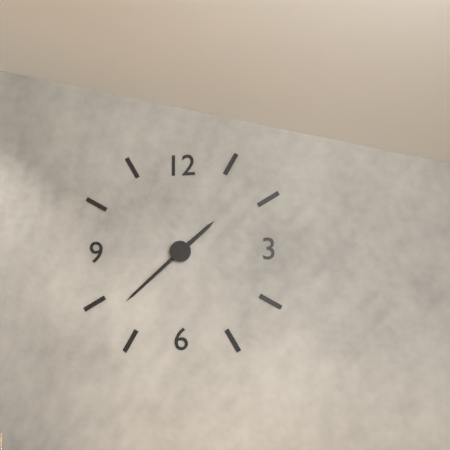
1:38
